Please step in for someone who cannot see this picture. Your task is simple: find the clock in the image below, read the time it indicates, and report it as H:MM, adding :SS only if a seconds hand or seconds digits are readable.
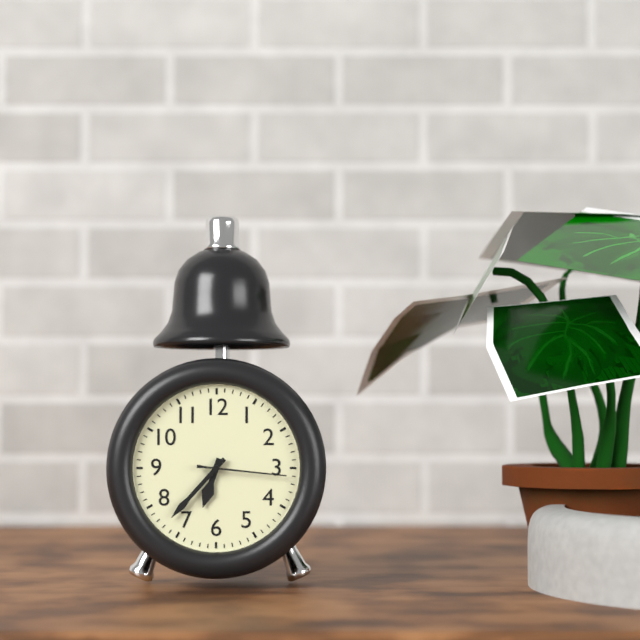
6:37:16
